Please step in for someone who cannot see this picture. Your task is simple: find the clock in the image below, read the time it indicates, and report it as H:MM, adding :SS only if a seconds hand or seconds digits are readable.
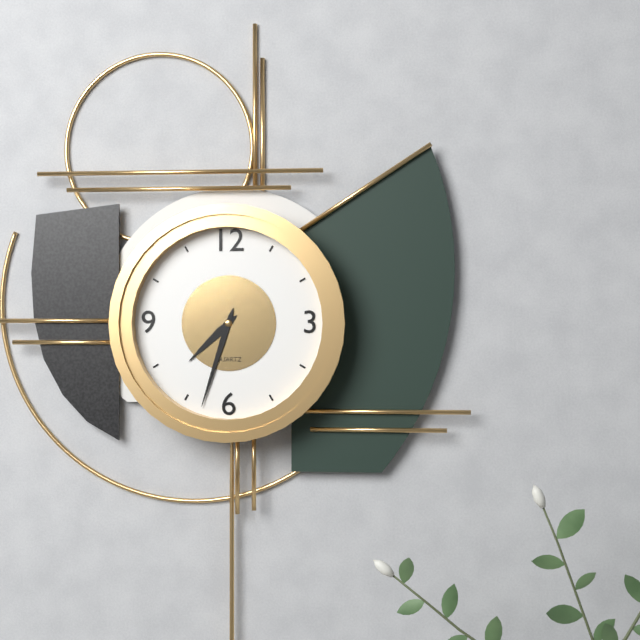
7:33
